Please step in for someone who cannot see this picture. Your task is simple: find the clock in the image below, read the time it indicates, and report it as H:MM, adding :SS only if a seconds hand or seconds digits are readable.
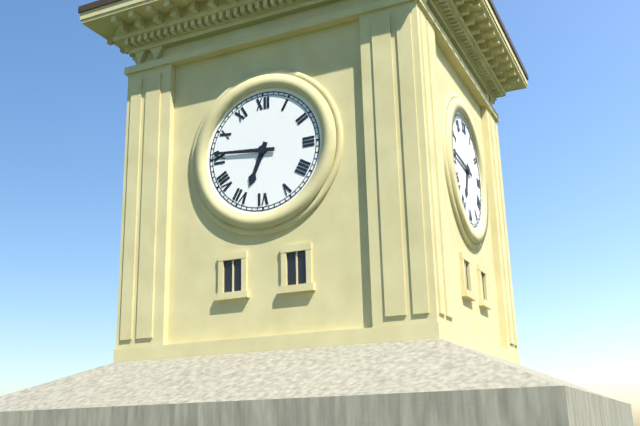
6:46
